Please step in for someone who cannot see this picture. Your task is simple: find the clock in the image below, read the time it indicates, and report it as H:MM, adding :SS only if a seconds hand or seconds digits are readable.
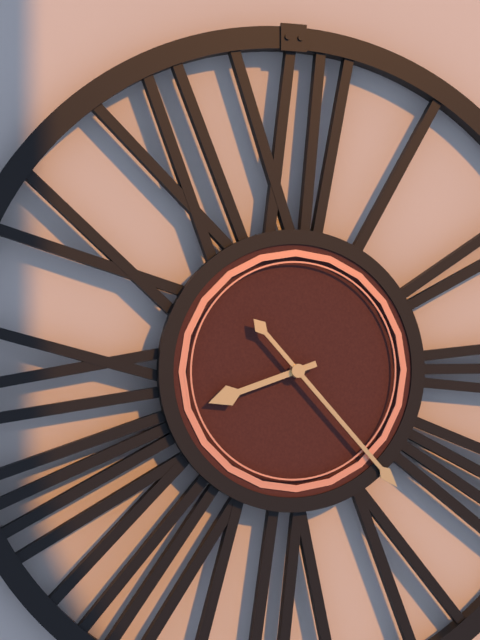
8:23
